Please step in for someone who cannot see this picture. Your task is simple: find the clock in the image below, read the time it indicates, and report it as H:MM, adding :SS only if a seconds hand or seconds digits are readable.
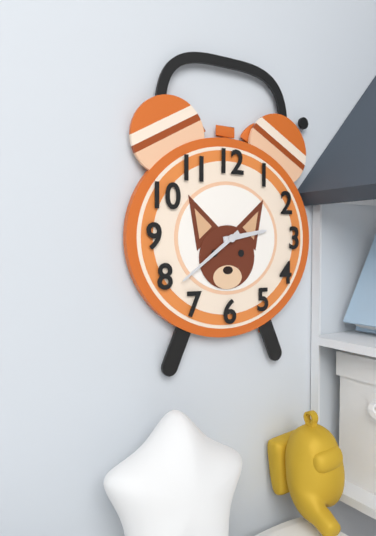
2:39
